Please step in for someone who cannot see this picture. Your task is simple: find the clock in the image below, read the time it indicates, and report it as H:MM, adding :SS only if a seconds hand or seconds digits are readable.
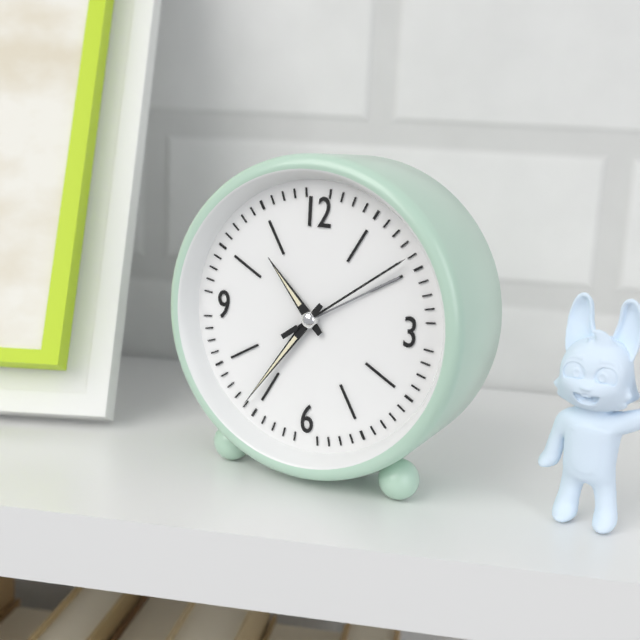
10:36:09
